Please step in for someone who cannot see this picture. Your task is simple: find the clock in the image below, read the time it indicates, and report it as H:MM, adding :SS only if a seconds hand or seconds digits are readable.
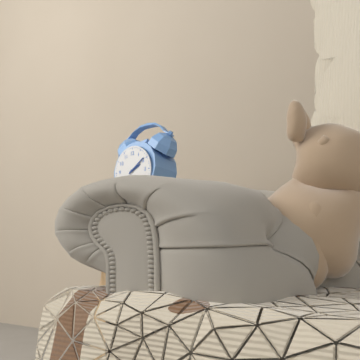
2:09
